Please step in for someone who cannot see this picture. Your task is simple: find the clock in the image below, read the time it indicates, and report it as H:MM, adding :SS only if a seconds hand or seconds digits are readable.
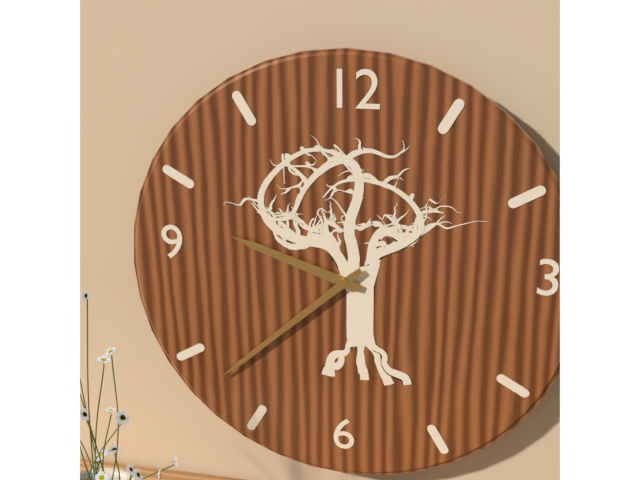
9:38
